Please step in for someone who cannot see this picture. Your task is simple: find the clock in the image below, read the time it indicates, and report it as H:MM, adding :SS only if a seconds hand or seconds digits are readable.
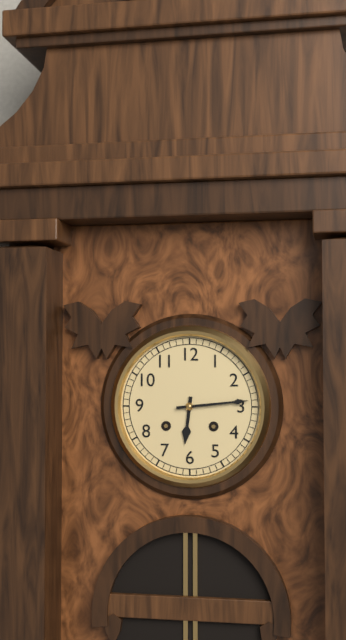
6:14
